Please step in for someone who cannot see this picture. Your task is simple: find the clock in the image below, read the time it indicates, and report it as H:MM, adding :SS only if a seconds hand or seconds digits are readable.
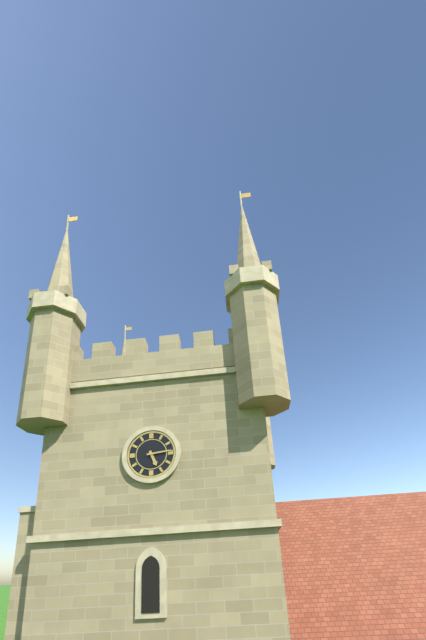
5:14
